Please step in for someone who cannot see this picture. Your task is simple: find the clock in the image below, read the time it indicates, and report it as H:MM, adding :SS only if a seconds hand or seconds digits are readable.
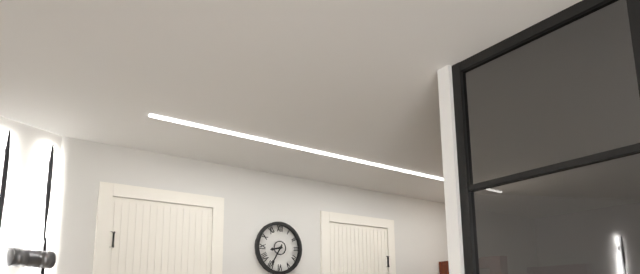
8:35
